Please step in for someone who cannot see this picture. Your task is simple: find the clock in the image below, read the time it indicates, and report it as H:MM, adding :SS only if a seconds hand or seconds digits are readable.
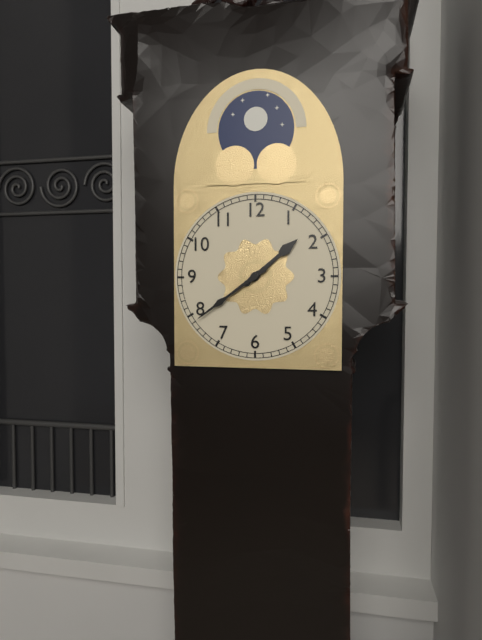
1:39
